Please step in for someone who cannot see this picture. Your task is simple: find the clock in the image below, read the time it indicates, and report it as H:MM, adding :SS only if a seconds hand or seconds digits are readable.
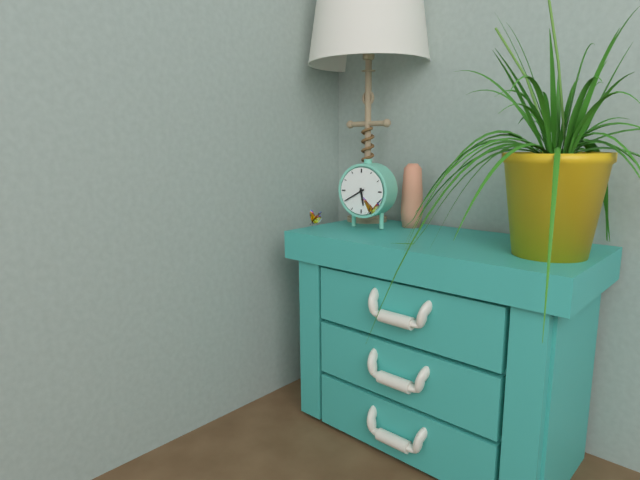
5:40
